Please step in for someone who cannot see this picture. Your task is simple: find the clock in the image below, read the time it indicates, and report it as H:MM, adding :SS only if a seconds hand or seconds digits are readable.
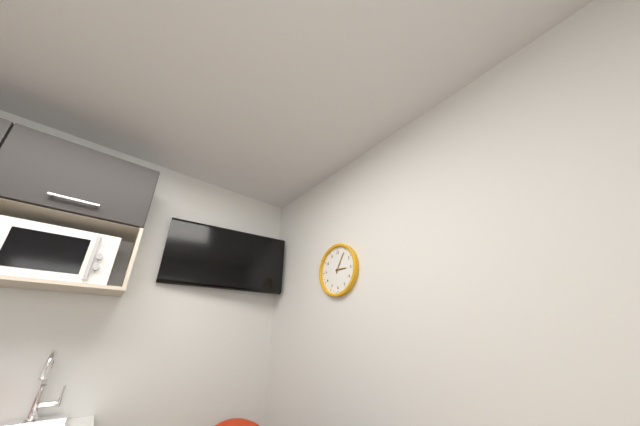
3:05
